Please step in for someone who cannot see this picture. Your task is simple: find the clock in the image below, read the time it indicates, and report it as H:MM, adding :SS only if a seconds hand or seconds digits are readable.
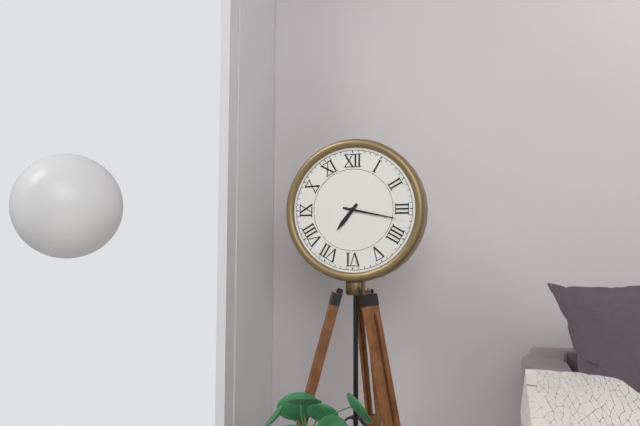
7:17
